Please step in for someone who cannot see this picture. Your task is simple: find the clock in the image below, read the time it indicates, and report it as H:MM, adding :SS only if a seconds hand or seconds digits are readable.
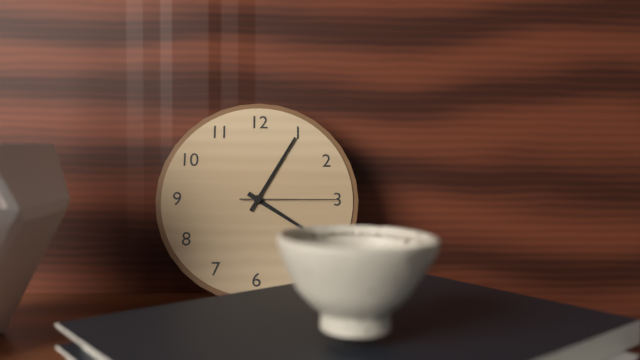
4:05:15
